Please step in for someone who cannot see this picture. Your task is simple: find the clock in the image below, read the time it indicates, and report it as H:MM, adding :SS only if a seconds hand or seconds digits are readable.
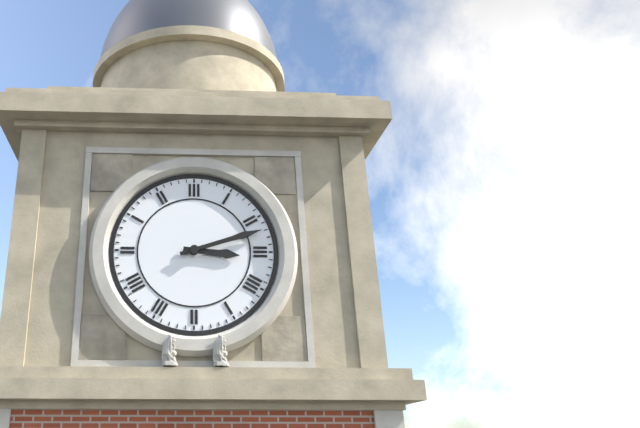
3:12
